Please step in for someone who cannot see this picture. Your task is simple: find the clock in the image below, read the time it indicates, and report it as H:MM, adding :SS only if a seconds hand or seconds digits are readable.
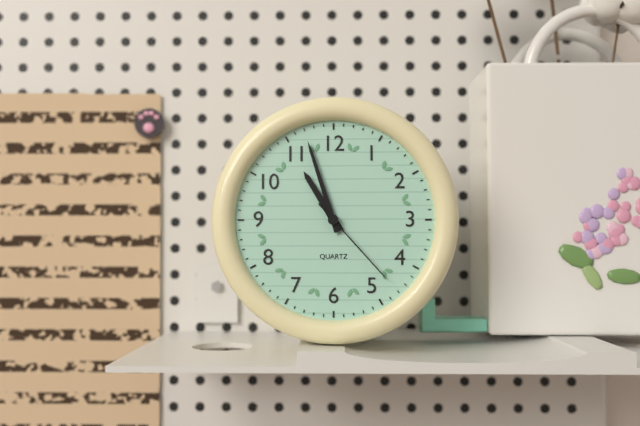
10:57:23
